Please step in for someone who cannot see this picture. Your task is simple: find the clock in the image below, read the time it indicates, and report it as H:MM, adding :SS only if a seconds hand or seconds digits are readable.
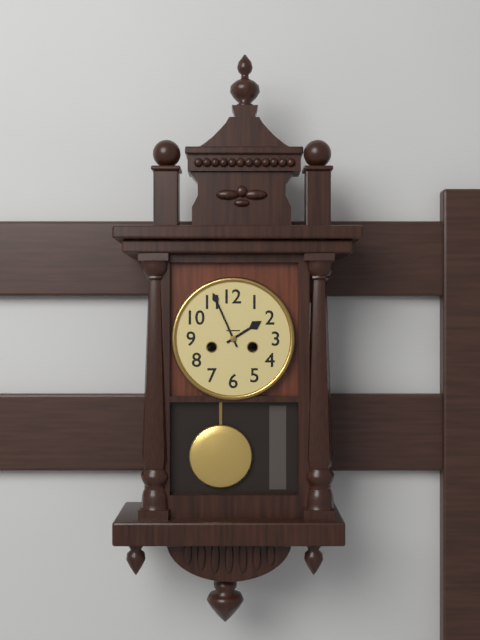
1:56
